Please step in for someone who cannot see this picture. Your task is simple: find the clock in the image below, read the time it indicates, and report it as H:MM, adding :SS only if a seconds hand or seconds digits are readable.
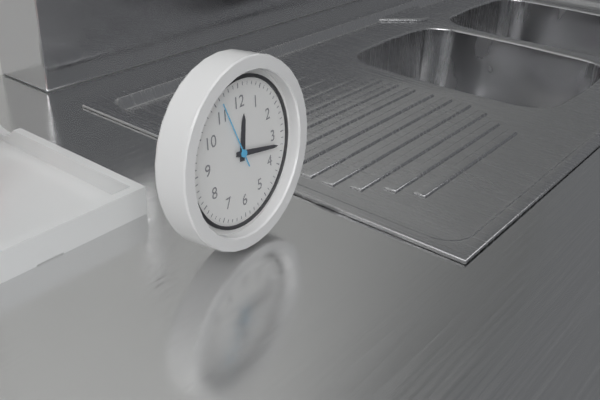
12:17:56
